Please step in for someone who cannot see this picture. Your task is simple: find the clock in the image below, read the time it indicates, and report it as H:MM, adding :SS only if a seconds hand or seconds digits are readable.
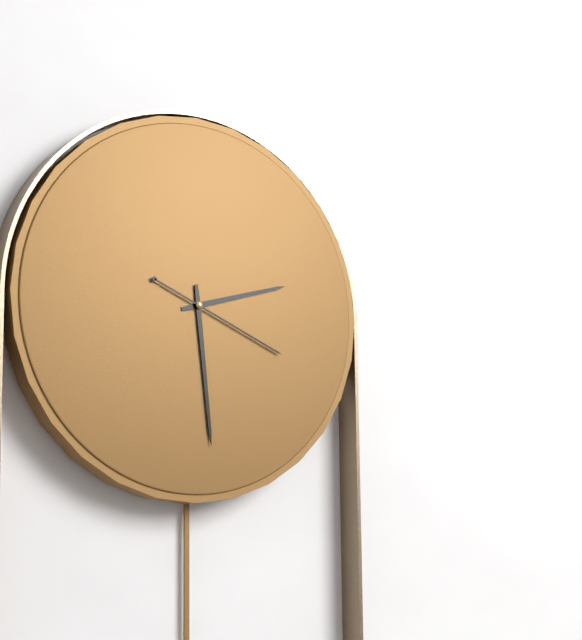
2:29:19
